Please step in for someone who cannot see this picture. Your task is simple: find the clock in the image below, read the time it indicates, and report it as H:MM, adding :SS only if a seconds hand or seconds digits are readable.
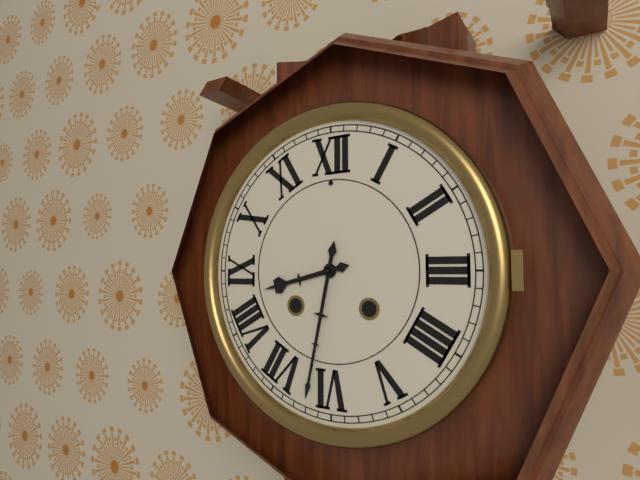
8:32
